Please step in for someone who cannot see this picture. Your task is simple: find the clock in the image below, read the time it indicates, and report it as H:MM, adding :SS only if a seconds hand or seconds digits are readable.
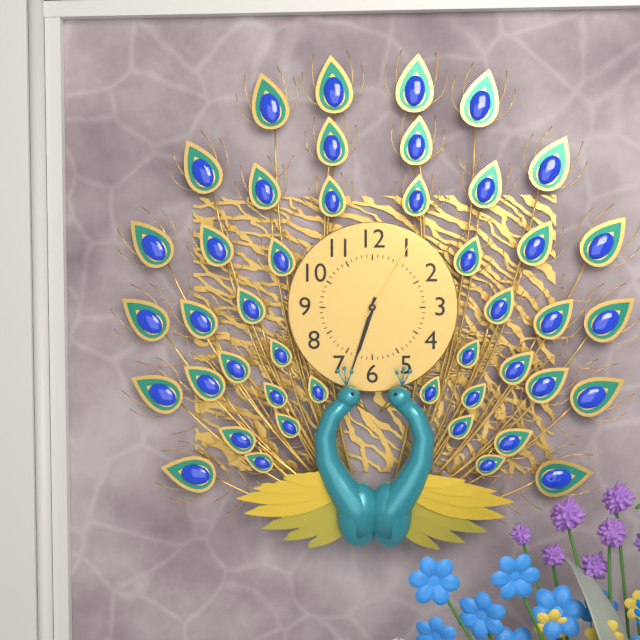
6:33:05
